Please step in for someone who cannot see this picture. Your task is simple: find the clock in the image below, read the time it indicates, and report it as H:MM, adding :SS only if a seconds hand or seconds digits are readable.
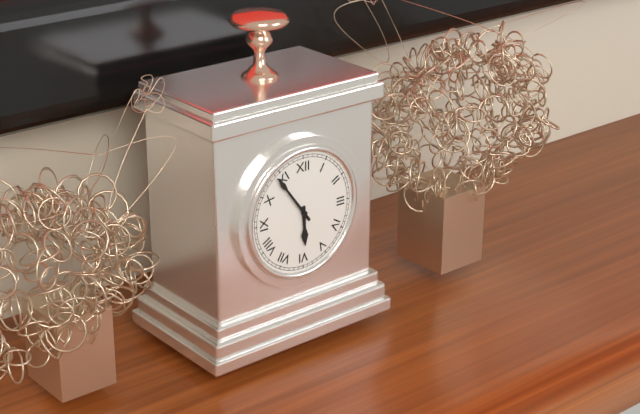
5:54
